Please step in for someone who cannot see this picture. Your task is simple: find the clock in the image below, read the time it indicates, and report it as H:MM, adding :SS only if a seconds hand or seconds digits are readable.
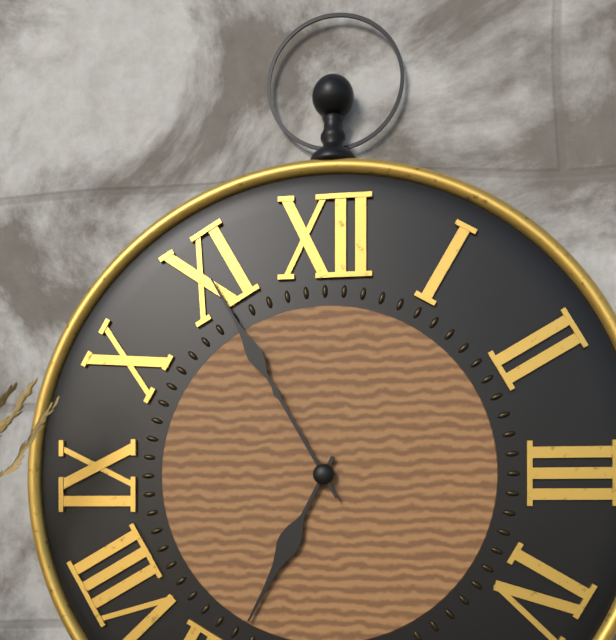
6:55
